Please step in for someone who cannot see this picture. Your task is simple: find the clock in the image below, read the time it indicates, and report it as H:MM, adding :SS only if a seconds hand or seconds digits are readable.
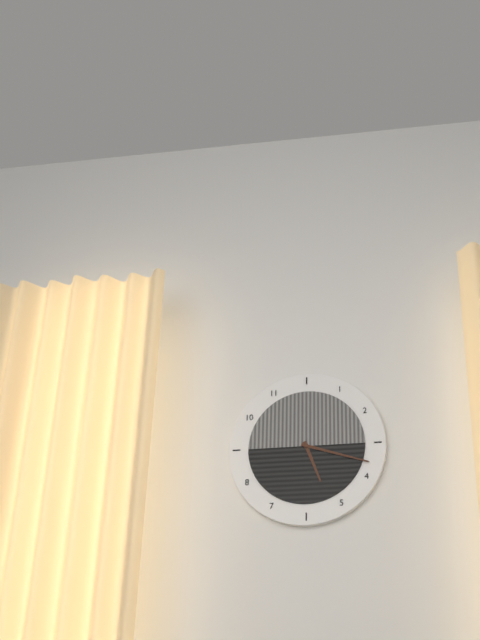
5:18
